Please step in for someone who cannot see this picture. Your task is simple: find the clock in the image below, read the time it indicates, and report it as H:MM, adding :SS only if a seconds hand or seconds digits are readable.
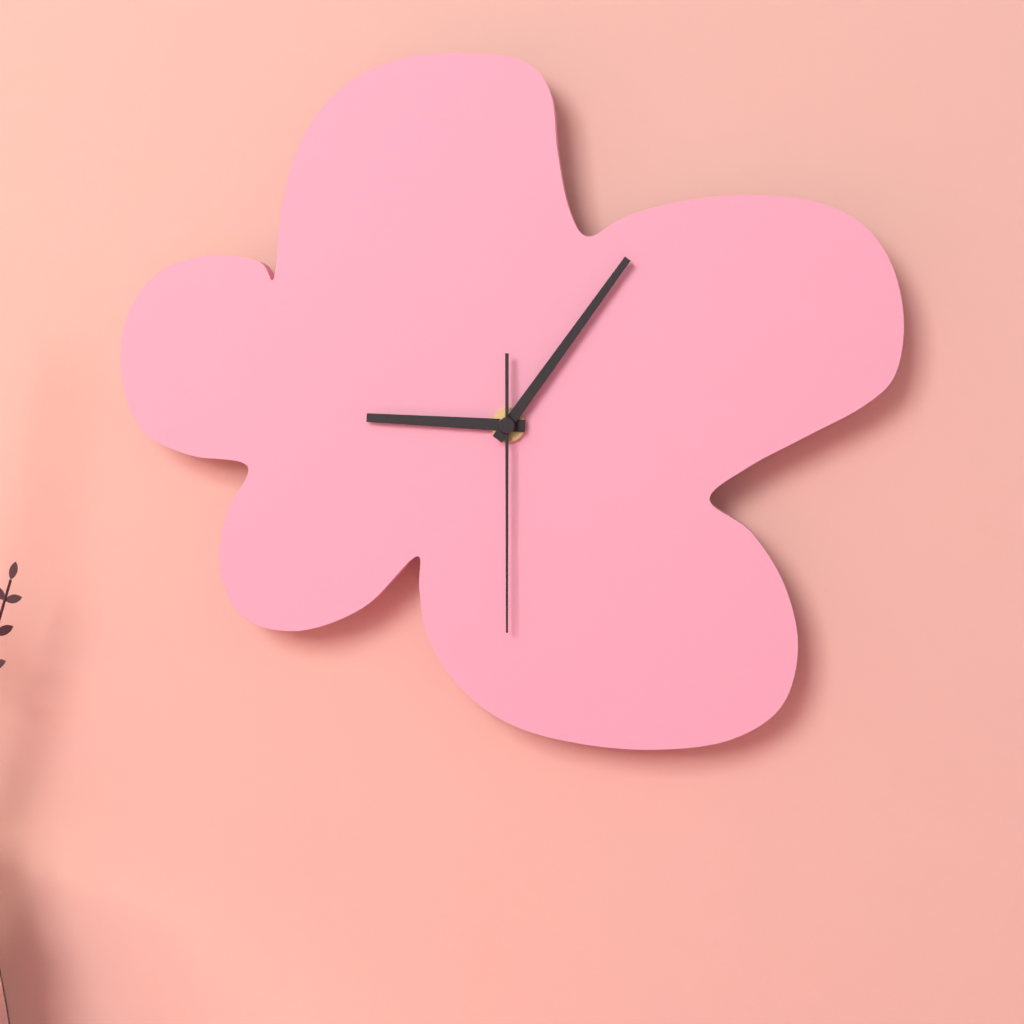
9:06:30
